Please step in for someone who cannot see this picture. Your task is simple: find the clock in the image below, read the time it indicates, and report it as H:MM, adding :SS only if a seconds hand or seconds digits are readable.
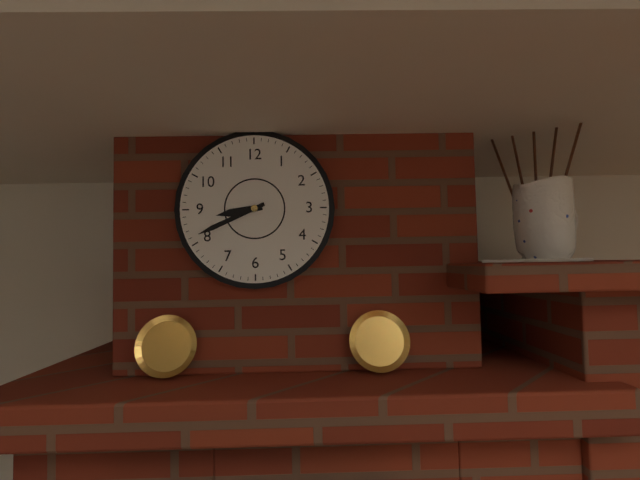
8:41
